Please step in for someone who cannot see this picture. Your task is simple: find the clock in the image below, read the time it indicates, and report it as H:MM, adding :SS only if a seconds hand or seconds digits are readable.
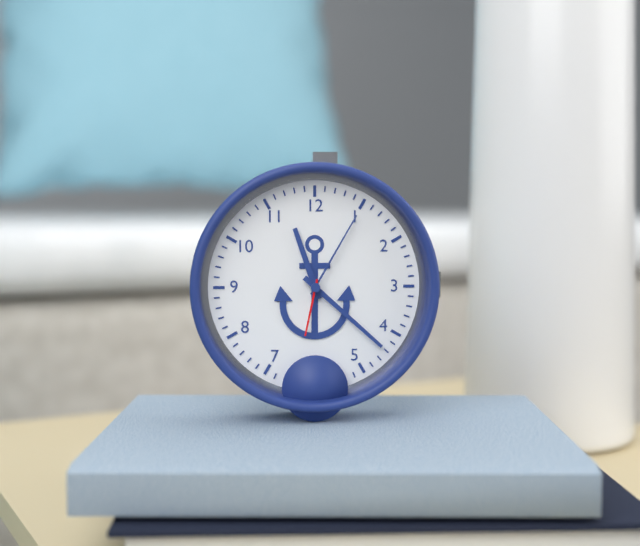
11:22:32
